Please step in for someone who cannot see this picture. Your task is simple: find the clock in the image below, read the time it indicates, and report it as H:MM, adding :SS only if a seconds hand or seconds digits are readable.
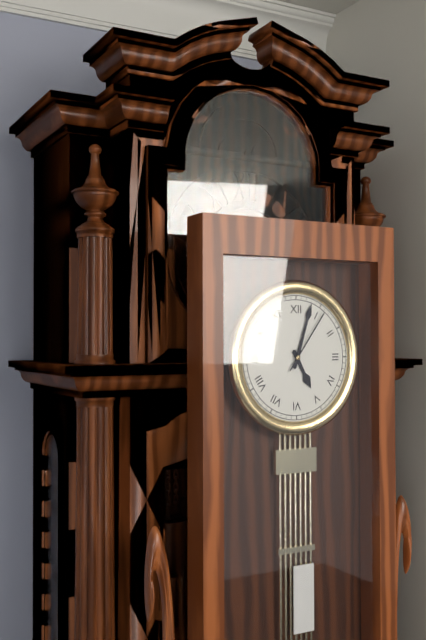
5:03:06
